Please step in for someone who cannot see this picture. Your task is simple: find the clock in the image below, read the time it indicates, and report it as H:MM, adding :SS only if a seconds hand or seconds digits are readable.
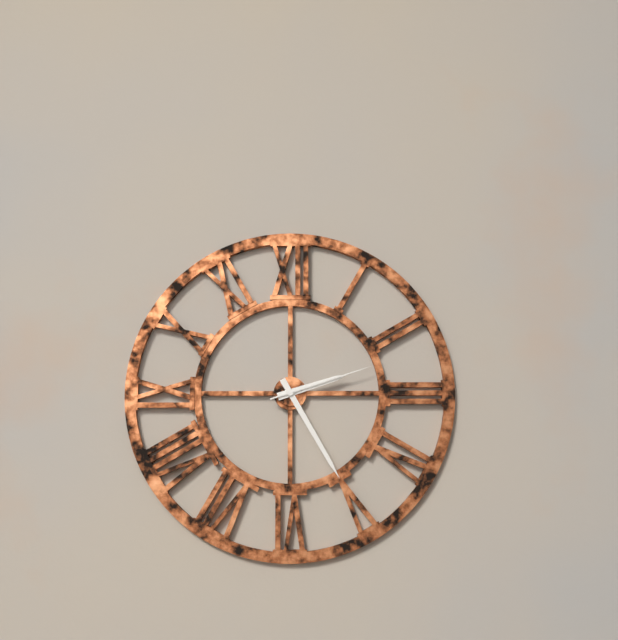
2:25:12
